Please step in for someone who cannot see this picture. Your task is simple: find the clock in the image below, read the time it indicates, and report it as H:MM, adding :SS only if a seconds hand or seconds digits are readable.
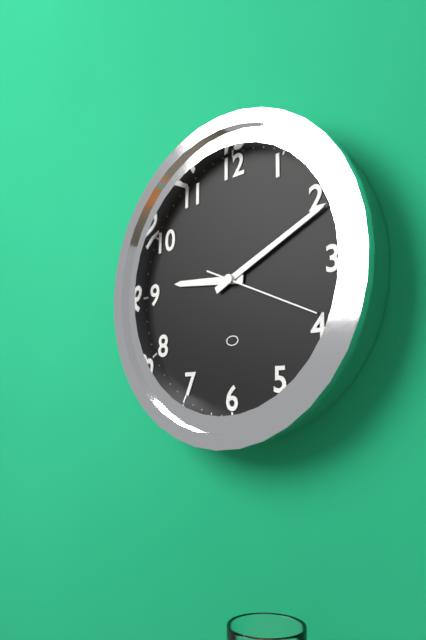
9:11:19
